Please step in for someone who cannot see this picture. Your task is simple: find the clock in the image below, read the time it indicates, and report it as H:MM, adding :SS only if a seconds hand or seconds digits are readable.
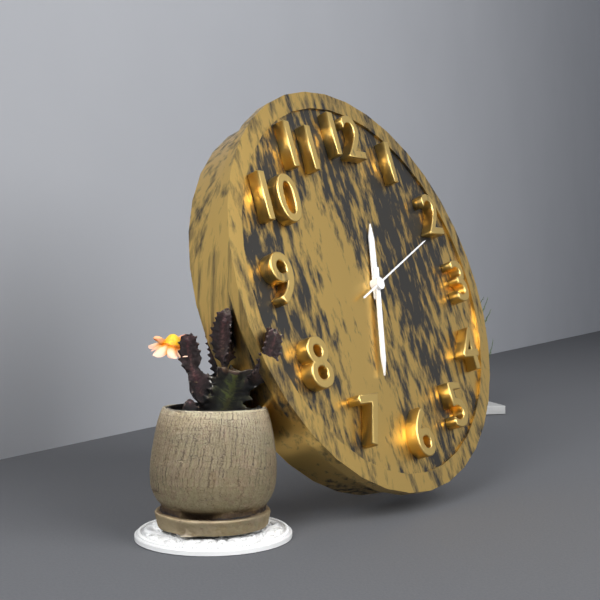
12:33:11
